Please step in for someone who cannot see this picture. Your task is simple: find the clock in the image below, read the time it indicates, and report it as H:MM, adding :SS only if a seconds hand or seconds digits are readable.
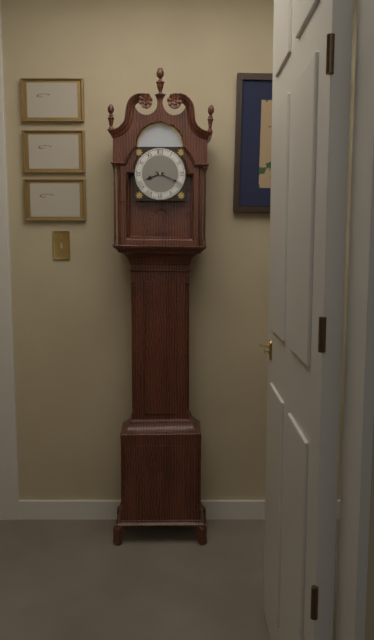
8:19
